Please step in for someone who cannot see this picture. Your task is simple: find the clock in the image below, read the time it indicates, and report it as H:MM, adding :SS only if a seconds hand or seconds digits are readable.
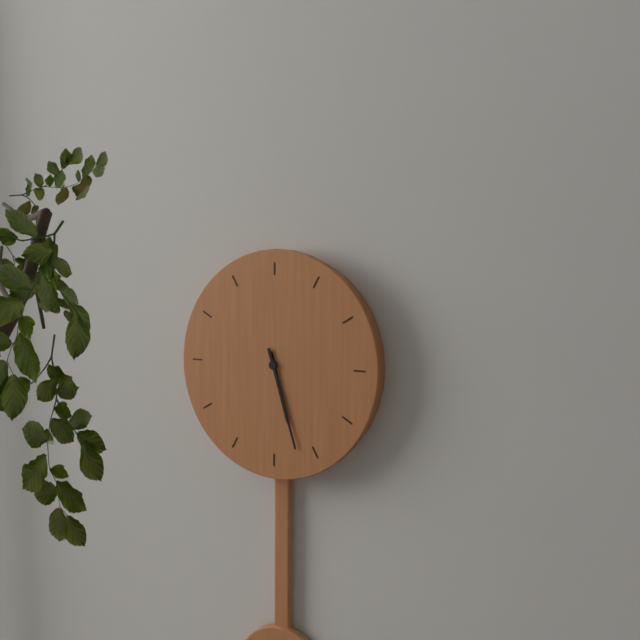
5:27
